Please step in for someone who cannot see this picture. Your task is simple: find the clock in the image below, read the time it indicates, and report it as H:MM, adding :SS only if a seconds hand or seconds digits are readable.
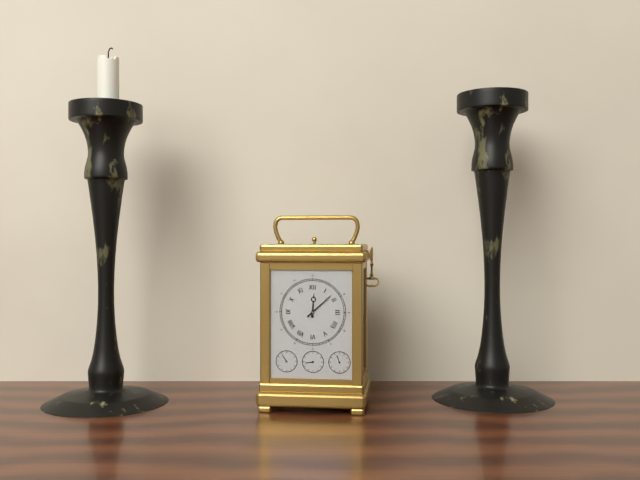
12:08
